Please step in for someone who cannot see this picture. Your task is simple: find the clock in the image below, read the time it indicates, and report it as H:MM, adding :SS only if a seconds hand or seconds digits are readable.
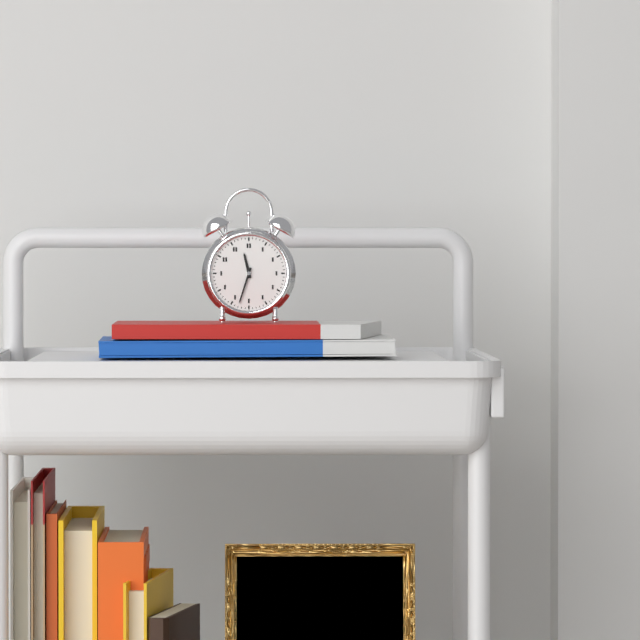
11:33
